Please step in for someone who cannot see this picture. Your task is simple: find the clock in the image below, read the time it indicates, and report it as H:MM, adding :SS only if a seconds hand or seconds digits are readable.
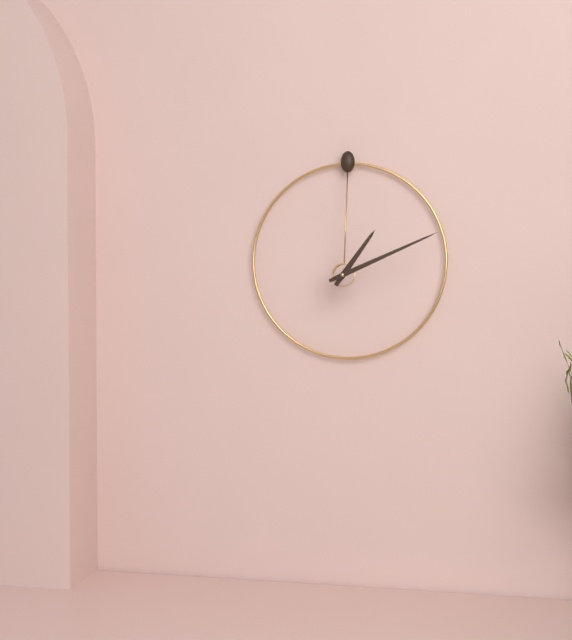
1:11
